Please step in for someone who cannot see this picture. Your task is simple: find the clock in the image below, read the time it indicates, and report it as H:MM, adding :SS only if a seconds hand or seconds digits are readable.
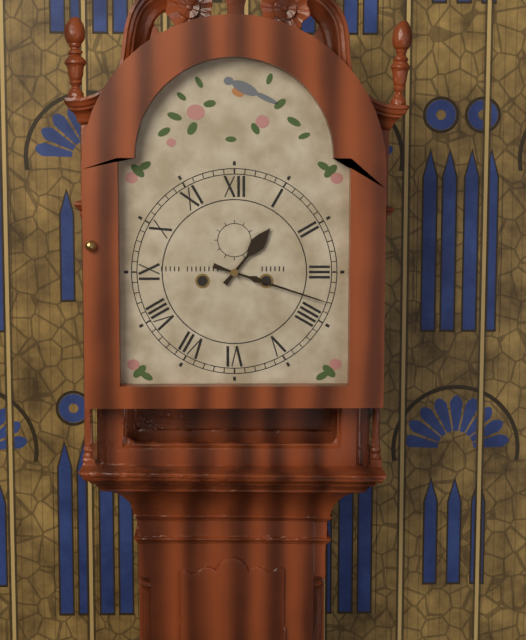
1:18
